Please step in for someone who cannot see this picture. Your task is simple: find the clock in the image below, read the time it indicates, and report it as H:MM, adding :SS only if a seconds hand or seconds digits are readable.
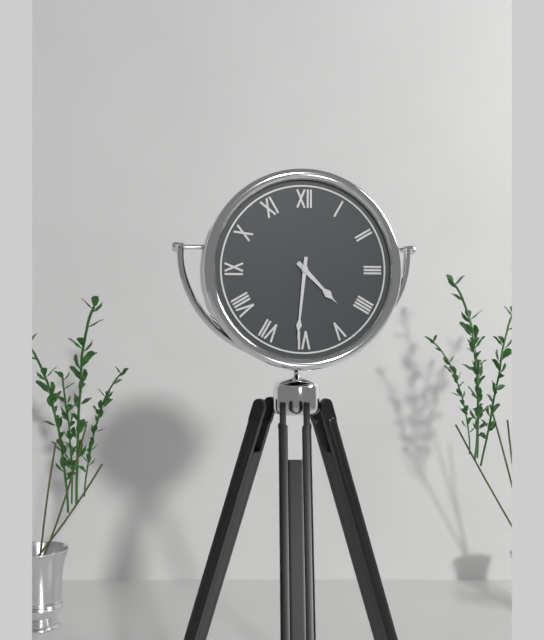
4:31
